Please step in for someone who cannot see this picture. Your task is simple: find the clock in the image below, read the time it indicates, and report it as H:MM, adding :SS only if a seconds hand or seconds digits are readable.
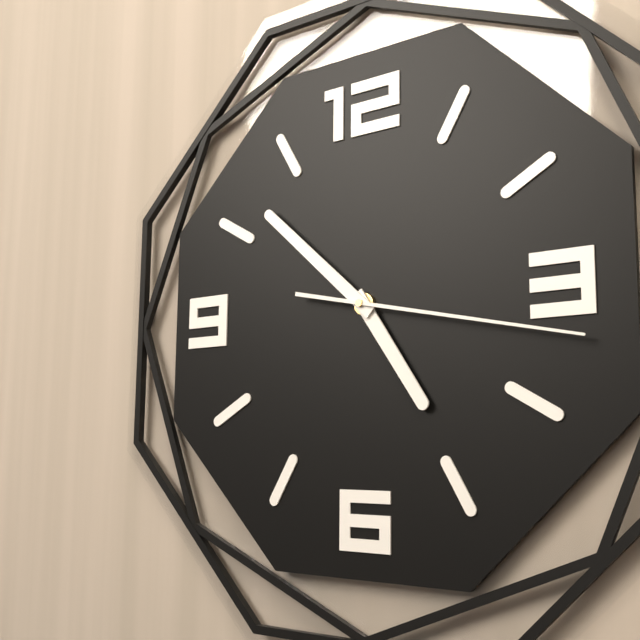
4:52:17
